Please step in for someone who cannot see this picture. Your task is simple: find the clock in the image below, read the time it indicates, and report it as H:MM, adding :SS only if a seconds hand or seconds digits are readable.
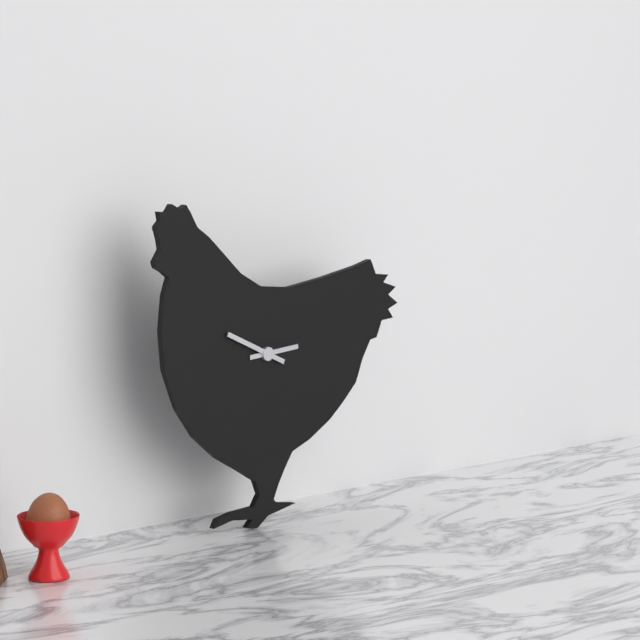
2:49
